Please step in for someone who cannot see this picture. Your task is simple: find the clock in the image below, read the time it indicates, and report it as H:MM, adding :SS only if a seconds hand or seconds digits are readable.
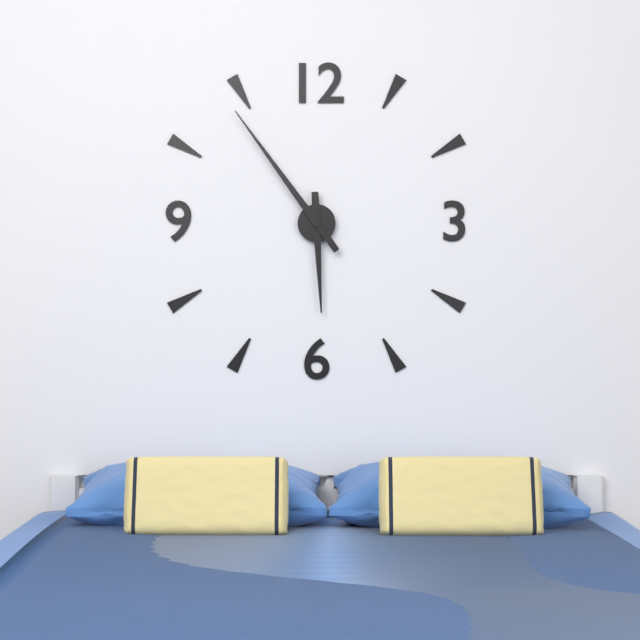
5:54
